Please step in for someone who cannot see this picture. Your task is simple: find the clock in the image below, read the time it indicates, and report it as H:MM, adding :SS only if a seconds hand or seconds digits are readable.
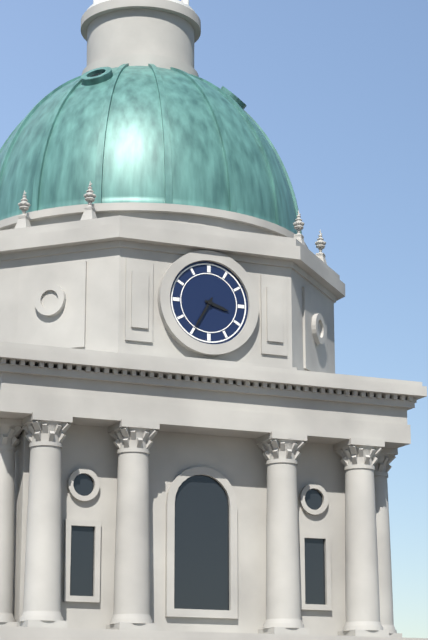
3:35
